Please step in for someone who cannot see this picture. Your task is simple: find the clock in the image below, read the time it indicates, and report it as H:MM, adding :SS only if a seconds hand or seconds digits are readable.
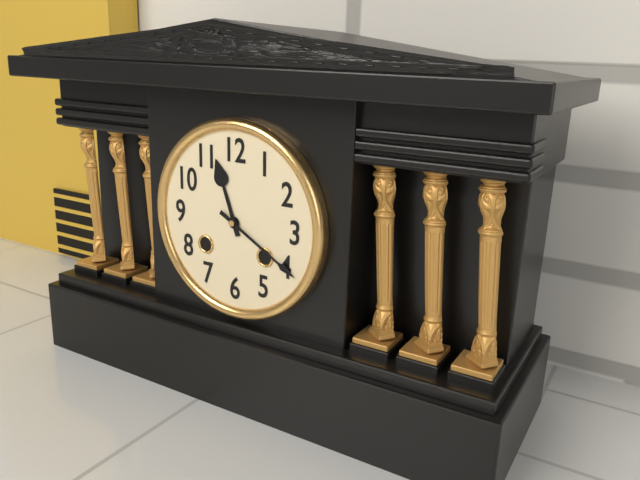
11:20
